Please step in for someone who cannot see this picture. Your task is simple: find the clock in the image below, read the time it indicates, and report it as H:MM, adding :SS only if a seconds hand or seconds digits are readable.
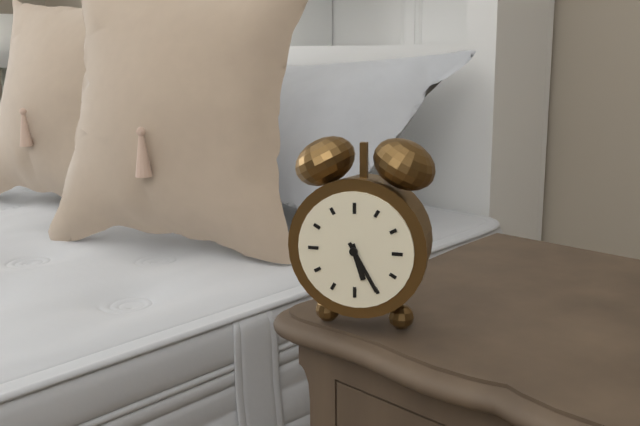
5:25
